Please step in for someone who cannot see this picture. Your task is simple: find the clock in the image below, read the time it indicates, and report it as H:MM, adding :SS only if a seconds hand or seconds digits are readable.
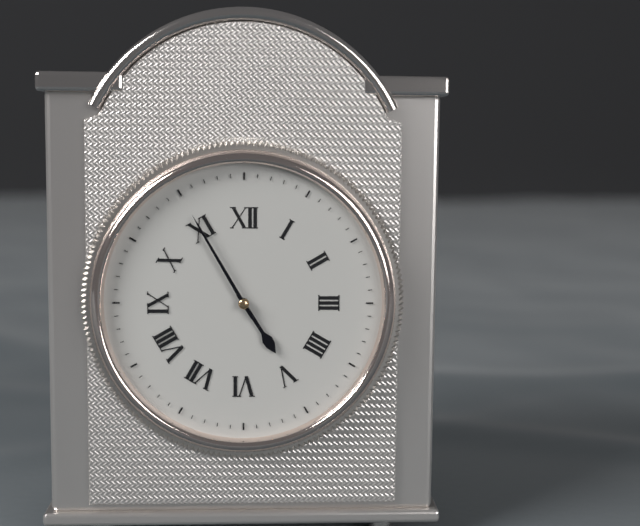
4:55
